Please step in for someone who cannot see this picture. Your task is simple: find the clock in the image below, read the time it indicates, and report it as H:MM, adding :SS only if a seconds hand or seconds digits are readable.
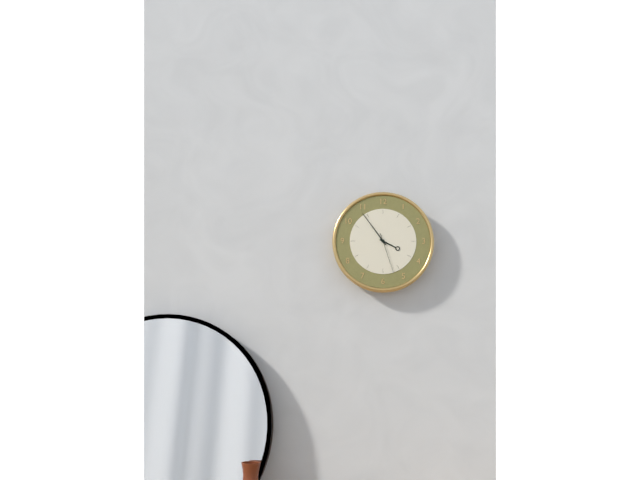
3:54
